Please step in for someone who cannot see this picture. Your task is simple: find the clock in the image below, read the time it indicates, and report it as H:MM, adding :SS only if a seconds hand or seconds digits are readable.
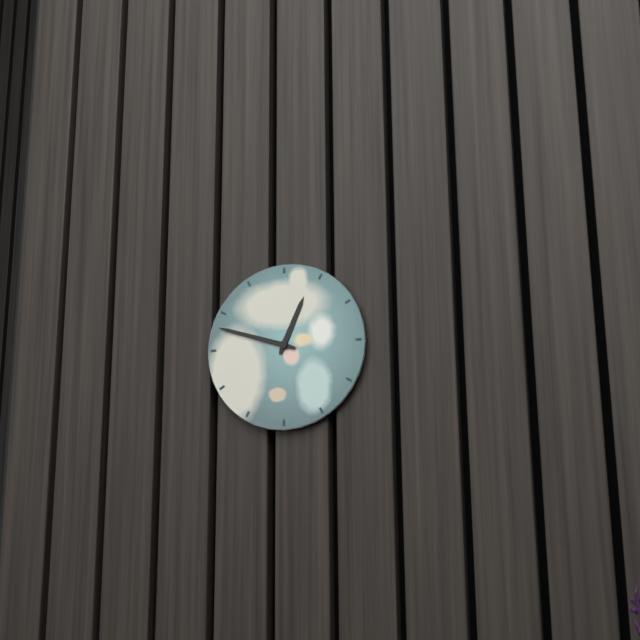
12:48
